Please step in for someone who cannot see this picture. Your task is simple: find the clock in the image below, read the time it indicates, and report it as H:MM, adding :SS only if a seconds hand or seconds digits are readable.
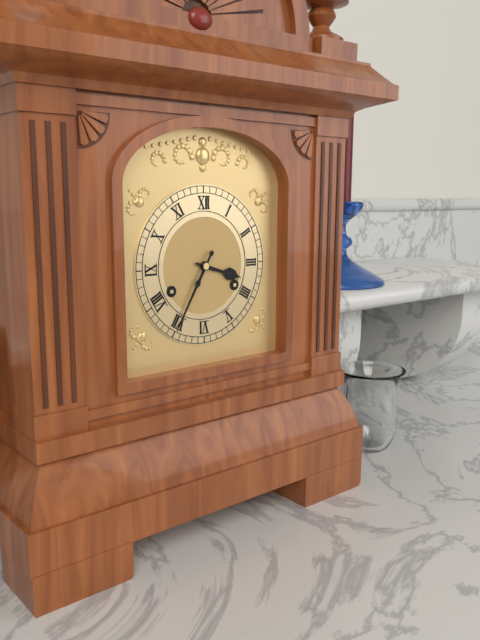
3:35
